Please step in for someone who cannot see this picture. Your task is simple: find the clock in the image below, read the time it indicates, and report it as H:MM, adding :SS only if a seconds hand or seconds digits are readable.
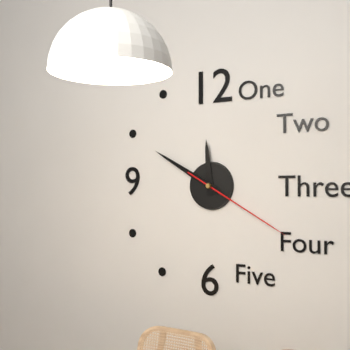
11:50:20
